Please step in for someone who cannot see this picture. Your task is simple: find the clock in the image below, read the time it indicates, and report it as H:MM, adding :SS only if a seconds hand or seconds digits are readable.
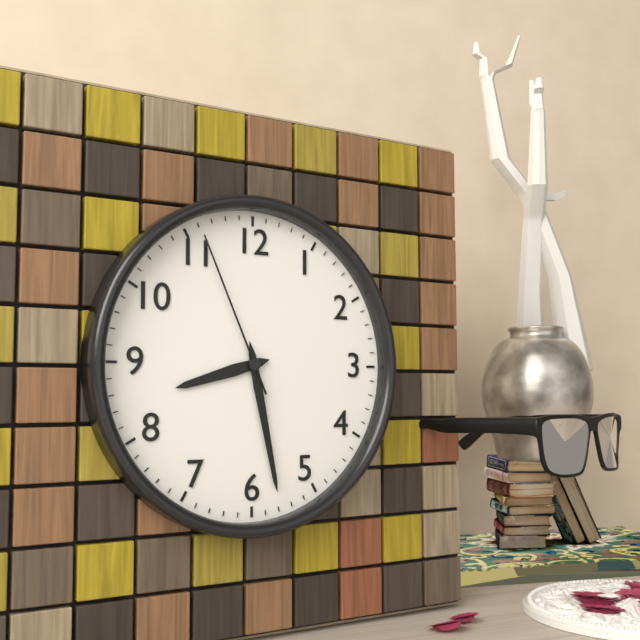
8:28:56
